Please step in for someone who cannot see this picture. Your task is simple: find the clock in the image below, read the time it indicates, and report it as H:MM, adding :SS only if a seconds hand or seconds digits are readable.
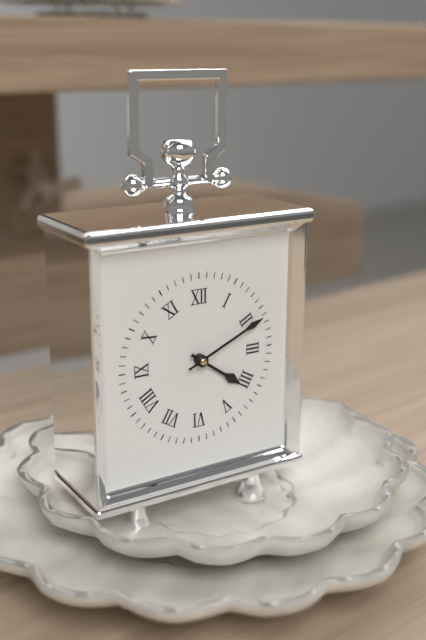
4:11
